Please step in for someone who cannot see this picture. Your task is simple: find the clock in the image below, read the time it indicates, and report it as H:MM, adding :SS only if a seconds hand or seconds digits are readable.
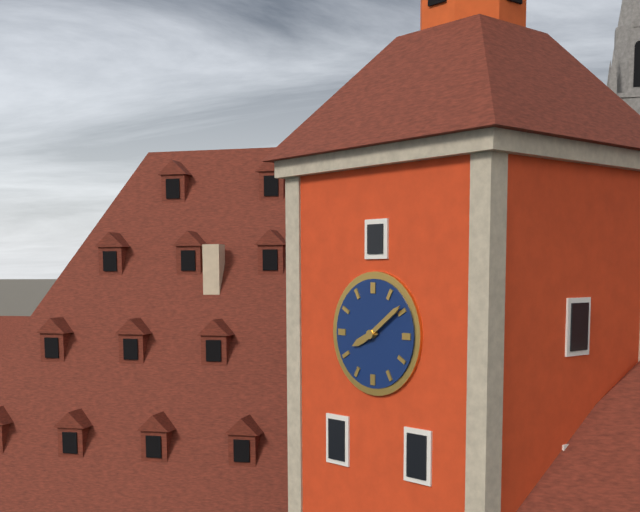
8:09
